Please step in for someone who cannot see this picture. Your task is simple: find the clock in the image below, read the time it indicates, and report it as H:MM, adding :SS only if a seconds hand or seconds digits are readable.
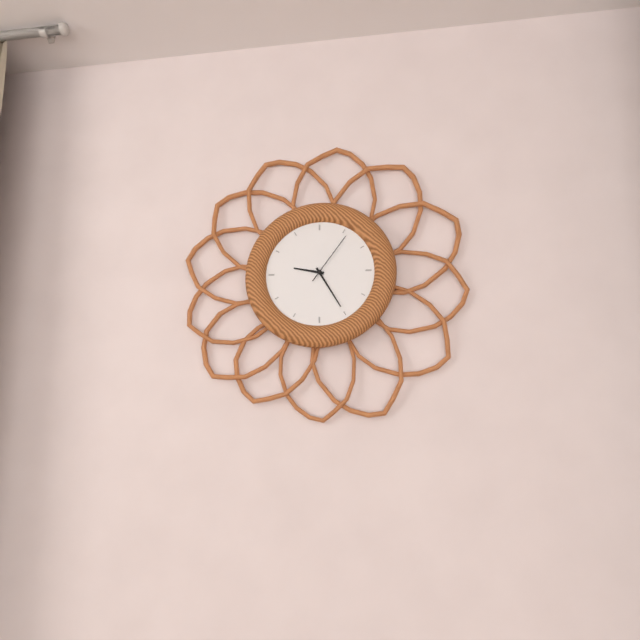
9:25:06
